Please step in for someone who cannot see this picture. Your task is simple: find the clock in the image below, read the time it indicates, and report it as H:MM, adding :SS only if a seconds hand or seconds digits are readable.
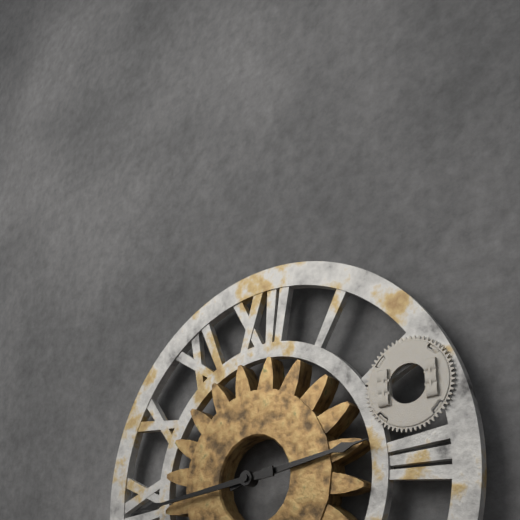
2:44
